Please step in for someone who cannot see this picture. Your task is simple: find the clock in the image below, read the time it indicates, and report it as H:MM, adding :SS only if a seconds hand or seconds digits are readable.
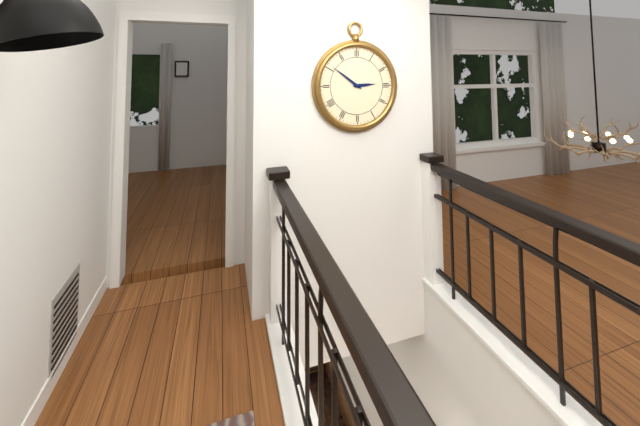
2:51
